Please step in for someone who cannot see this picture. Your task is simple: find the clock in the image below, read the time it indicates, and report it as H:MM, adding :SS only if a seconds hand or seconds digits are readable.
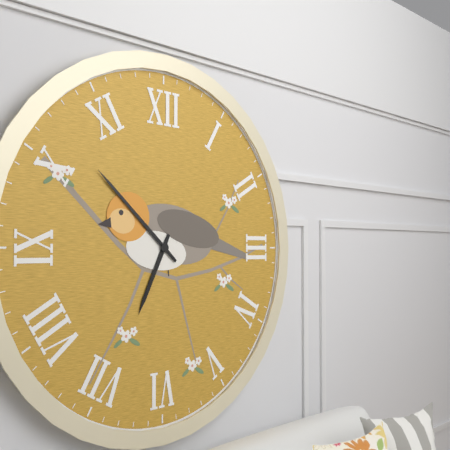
6:52
